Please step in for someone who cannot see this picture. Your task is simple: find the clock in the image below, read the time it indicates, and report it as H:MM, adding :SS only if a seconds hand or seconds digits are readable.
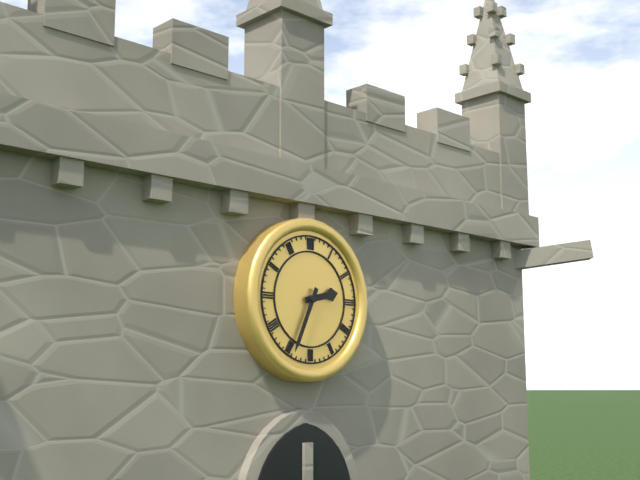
2:34
